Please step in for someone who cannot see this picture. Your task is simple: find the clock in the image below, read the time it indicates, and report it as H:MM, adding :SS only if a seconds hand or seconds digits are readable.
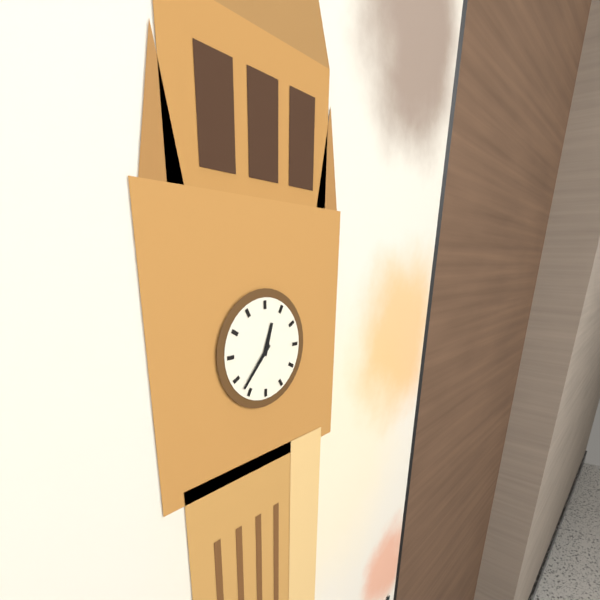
12:37
